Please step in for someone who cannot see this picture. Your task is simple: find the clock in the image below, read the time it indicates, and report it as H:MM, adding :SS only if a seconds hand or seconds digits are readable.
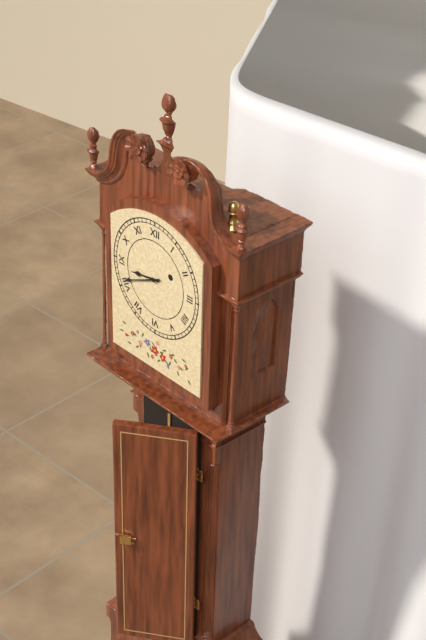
8:41
